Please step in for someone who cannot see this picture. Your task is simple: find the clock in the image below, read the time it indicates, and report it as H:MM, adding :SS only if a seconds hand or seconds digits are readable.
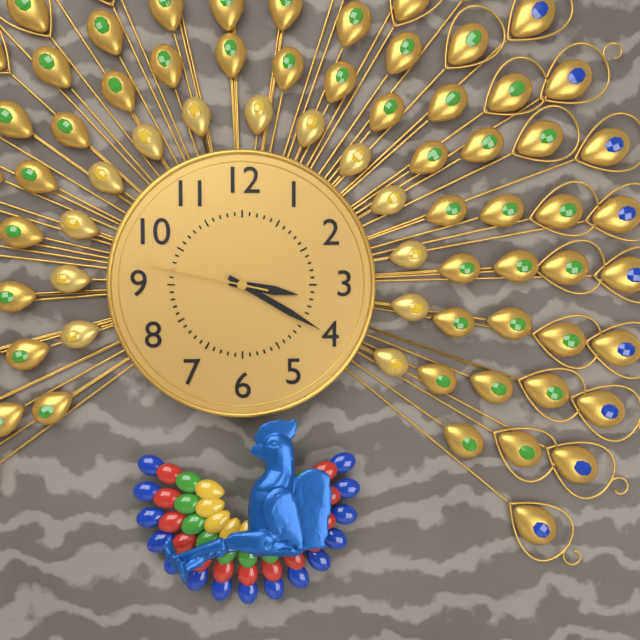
3:20:47
